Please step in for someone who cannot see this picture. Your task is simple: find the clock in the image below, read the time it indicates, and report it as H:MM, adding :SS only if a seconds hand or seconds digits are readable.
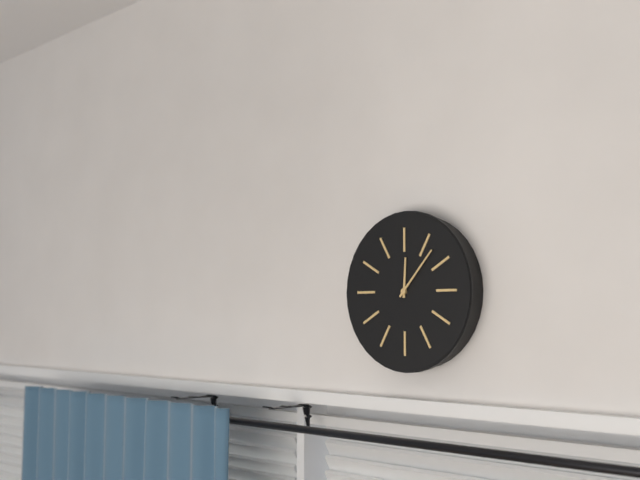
12:07
